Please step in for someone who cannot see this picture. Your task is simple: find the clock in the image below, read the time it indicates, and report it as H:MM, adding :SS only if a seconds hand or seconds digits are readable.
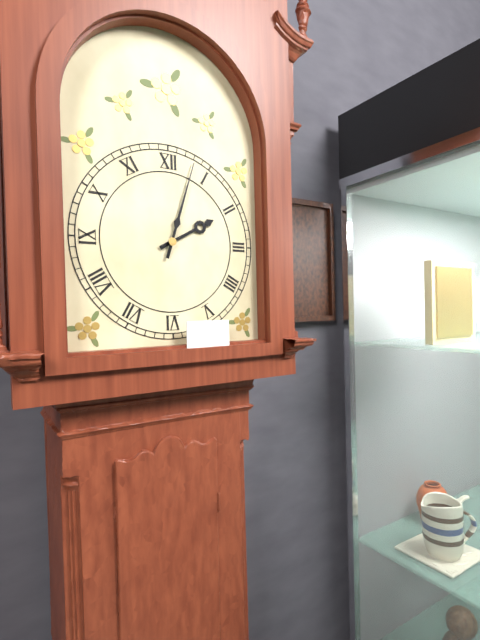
2:03
